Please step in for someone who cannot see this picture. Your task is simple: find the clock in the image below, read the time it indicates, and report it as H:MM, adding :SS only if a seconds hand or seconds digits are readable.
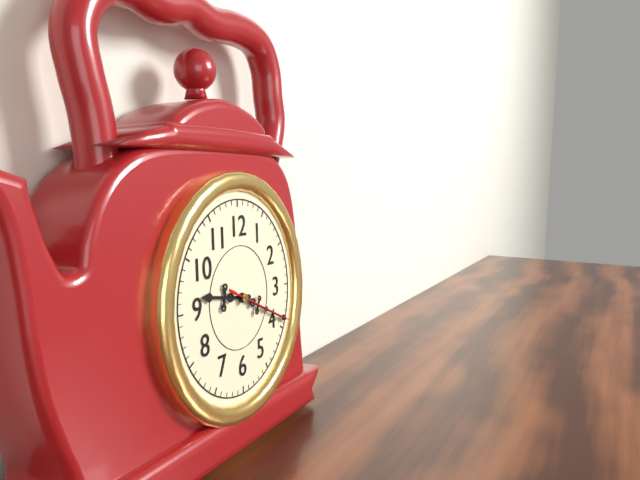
9:19:19
